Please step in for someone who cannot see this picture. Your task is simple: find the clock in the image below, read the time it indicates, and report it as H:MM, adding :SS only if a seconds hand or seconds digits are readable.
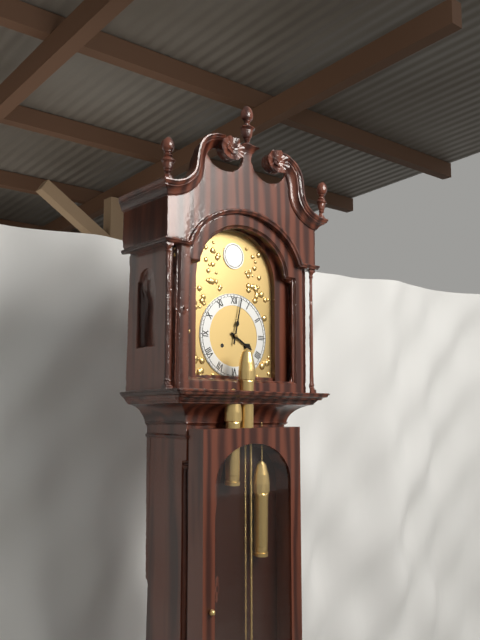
4:02
